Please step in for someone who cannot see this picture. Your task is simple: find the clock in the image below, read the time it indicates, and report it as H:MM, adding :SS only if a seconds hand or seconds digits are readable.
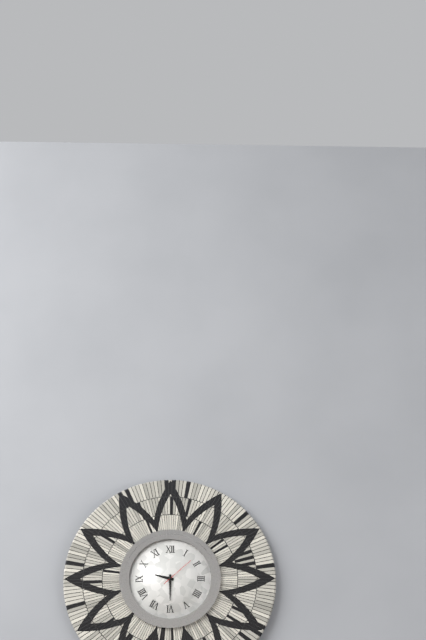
9:30
